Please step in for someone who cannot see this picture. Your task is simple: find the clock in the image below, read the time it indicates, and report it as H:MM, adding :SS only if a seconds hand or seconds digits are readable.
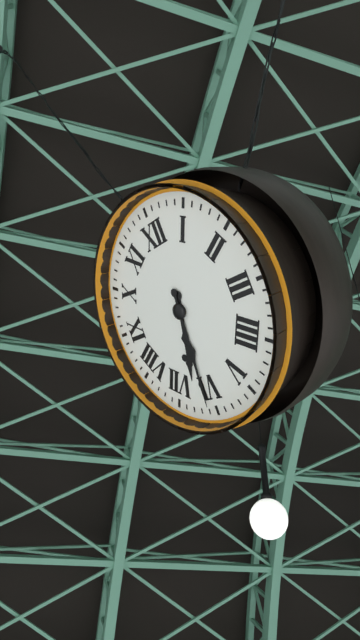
6:31
